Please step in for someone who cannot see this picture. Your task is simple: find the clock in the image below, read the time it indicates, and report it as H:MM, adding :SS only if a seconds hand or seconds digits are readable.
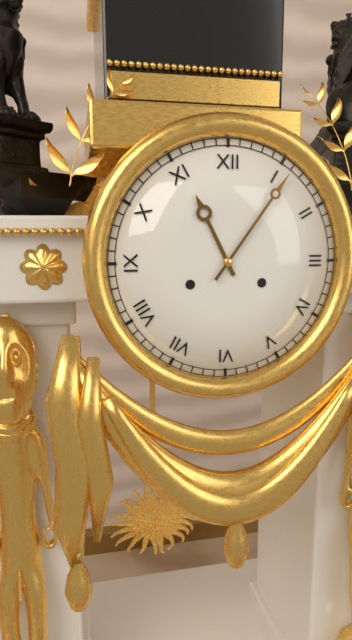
11:06
